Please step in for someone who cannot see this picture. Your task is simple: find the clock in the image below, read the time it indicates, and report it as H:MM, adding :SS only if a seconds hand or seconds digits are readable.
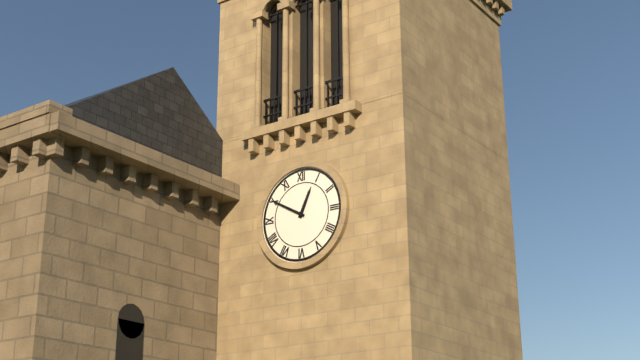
12:50
